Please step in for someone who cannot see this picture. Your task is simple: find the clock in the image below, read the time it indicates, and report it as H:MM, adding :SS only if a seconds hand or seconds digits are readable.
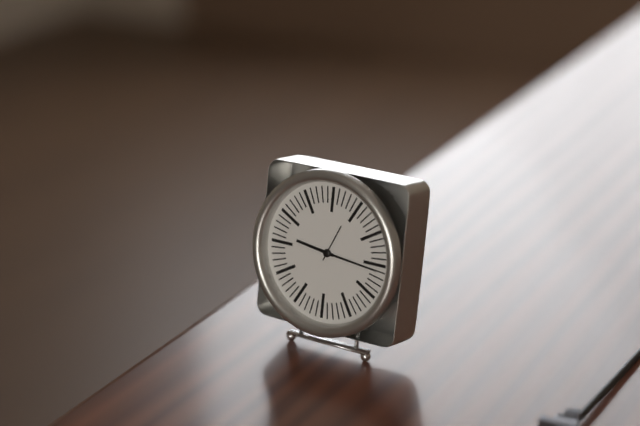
9:16
